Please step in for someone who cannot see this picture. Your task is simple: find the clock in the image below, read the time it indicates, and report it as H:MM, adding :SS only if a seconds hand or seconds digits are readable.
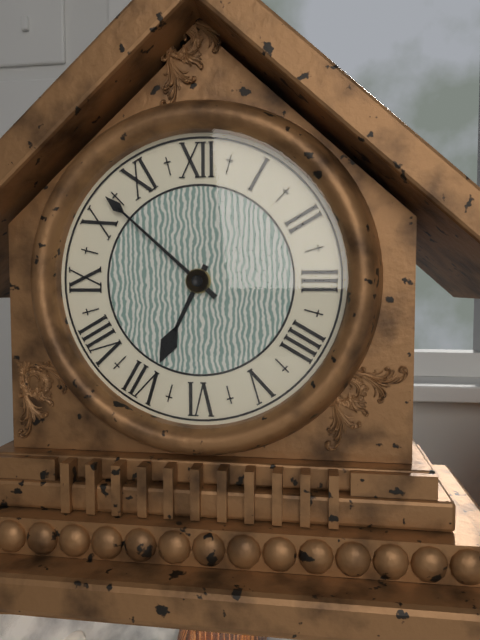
6:52
